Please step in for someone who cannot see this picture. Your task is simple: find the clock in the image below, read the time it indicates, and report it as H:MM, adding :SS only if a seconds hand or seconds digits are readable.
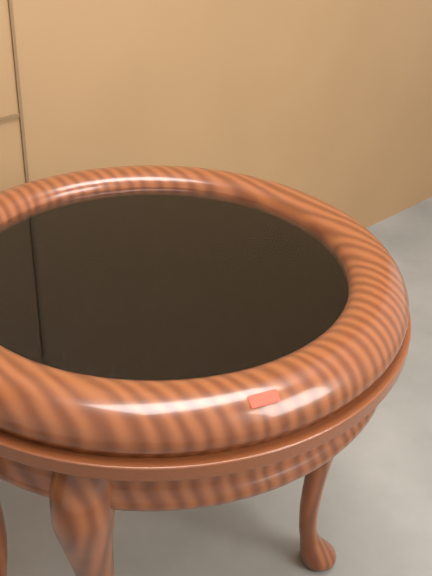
4:06
